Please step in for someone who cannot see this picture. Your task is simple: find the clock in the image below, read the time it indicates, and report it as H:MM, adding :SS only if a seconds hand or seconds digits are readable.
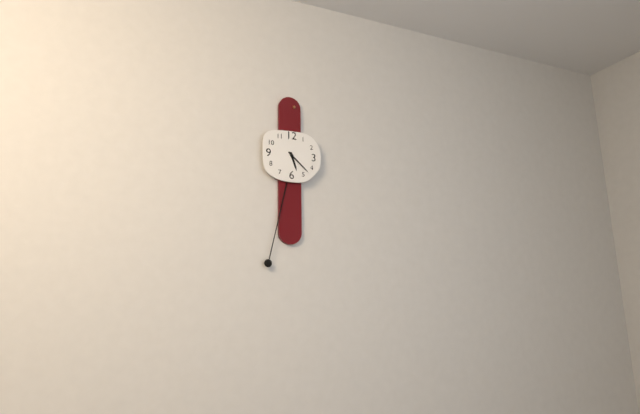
5:22
